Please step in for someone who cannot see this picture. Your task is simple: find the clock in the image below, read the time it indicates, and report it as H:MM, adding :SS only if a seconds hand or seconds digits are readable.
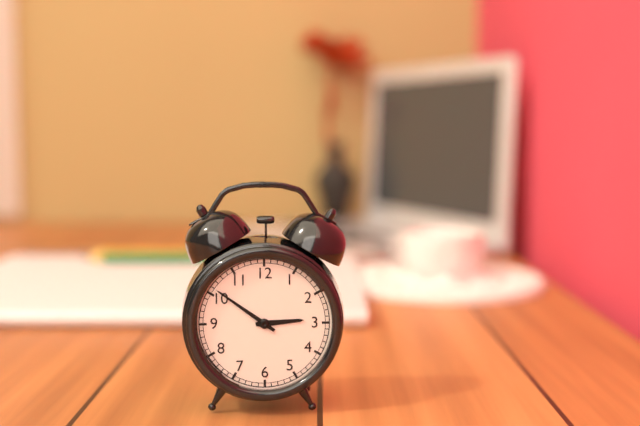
2:51
